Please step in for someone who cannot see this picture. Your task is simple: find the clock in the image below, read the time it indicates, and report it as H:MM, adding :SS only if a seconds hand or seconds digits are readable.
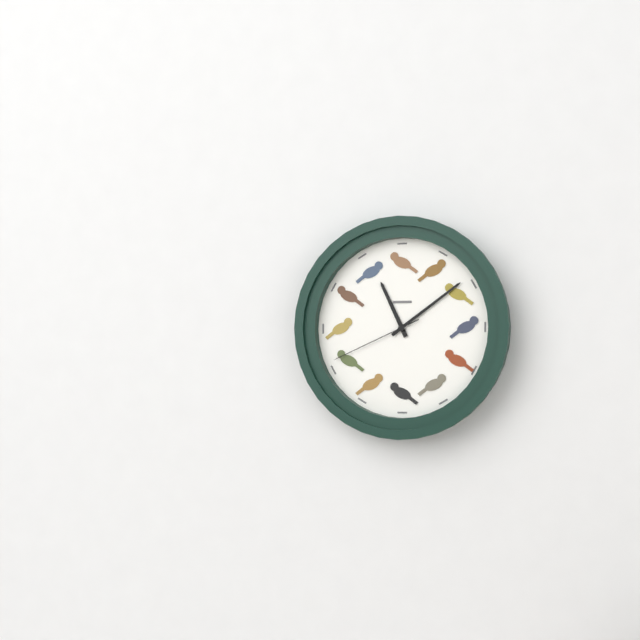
11:09:41
